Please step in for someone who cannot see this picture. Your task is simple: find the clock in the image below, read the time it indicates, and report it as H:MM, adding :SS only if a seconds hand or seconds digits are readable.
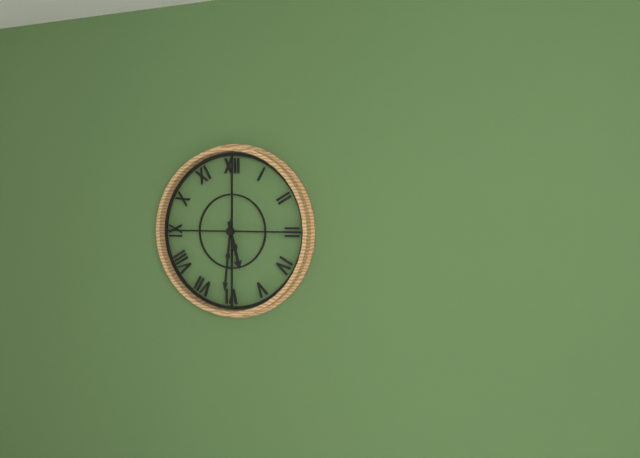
5:31
